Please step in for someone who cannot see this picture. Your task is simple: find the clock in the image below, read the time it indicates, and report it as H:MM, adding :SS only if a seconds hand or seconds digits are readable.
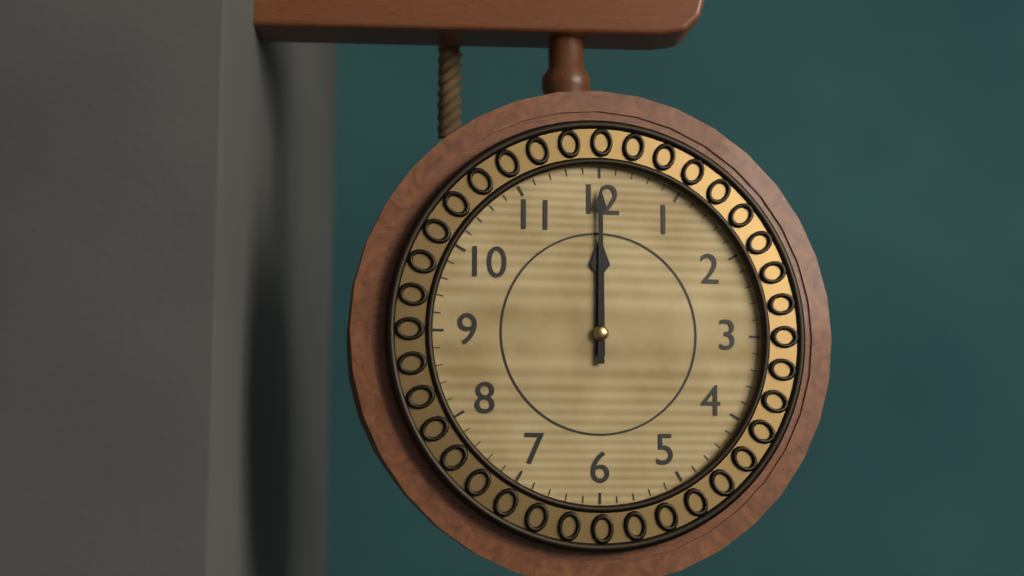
12:00
